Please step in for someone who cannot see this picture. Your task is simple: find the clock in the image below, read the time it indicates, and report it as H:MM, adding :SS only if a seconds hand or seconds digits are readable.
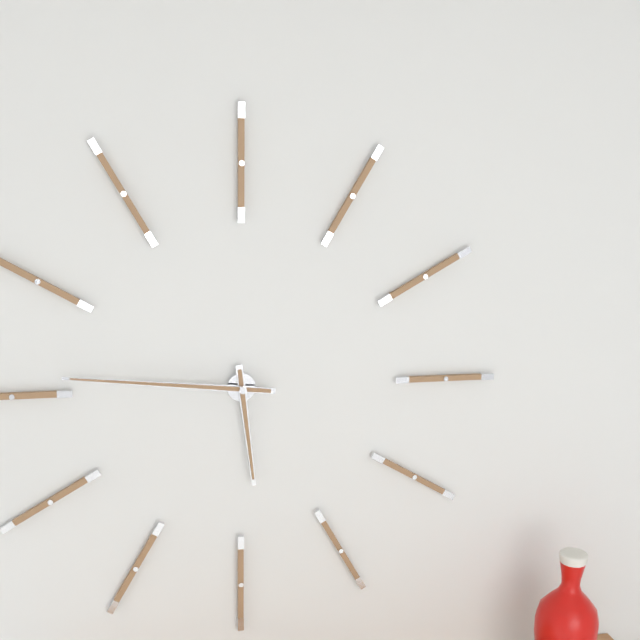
5:46
